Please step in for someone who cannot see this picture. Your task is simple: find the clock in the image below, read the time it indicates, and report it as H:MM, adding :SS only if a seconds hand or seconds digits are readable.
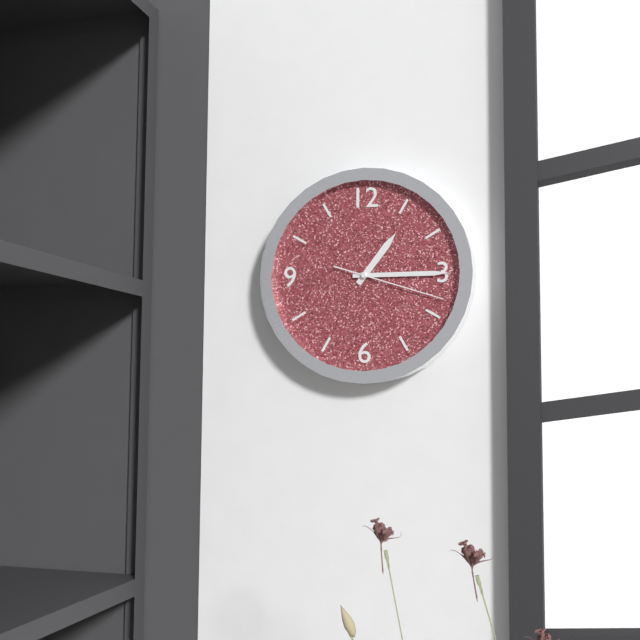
1:15:18
